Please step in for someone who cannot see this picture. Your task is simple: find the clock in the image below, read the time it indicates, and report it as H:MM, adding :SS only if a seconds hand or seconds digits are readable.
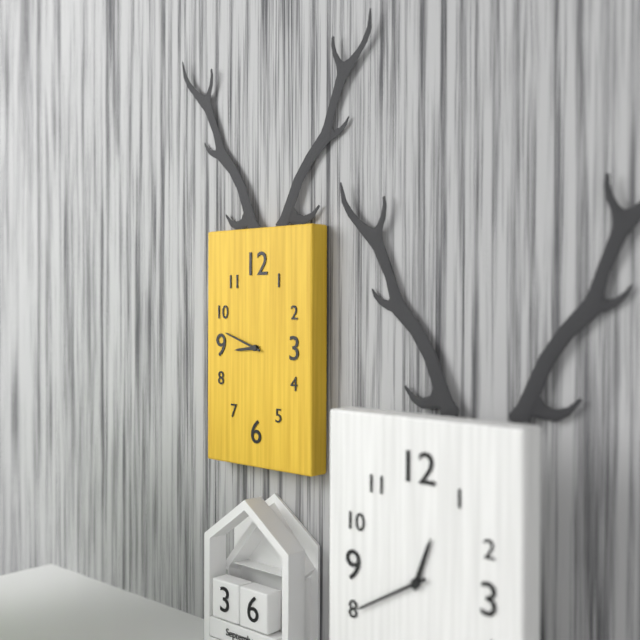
8:48
